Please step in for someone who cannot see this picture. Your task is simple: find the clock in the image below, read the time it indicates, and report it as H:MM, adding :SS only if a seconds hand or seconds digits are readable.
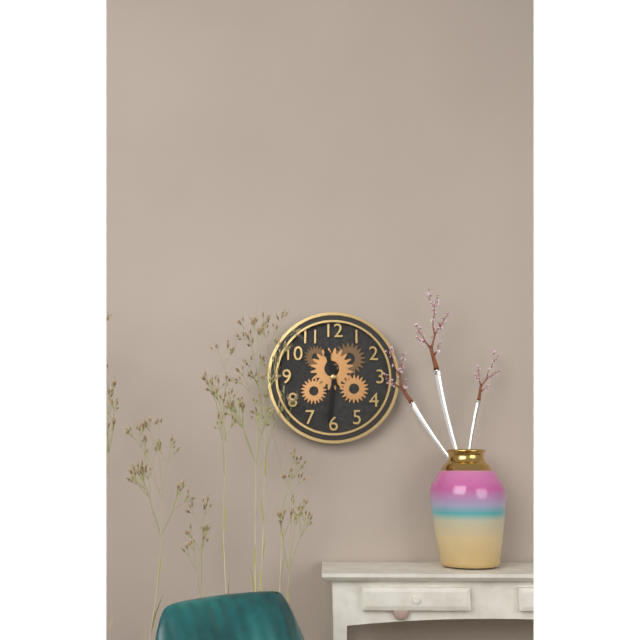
11:31
